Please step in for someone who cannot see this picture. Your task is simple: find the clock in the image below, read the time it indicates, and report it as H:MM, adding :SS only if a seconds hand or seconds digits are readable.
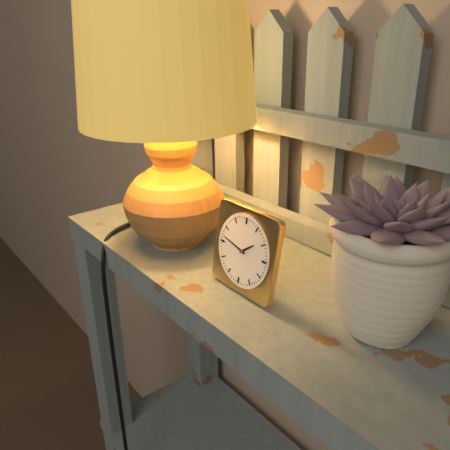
1:47
